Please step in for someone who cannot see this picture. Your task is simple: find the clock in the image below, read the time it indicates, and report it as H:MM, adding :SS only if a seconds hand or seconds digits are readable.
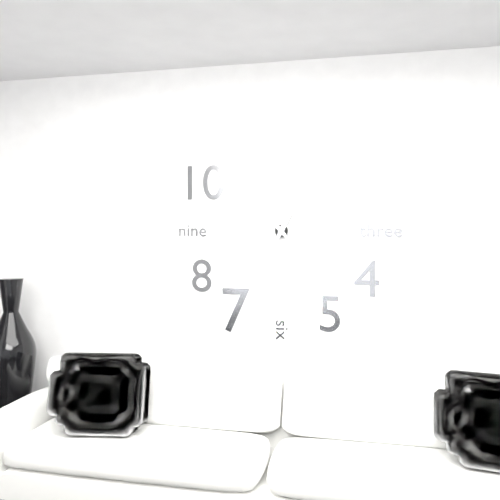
12:53
